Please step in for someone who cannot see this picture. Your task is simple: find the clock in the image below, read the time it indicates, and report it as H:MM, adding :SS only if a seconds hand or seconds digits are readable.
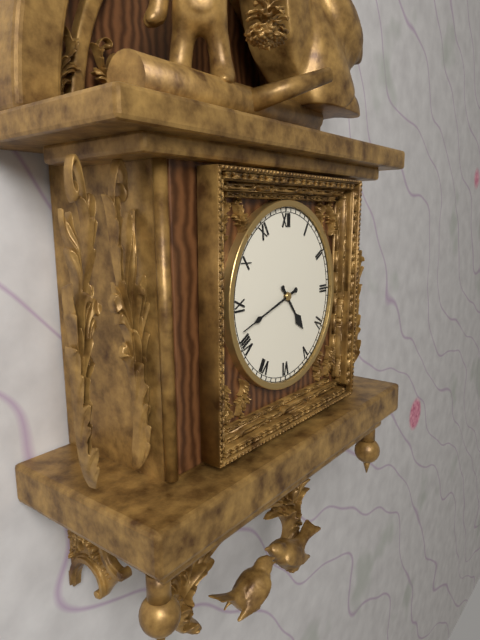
4:42
